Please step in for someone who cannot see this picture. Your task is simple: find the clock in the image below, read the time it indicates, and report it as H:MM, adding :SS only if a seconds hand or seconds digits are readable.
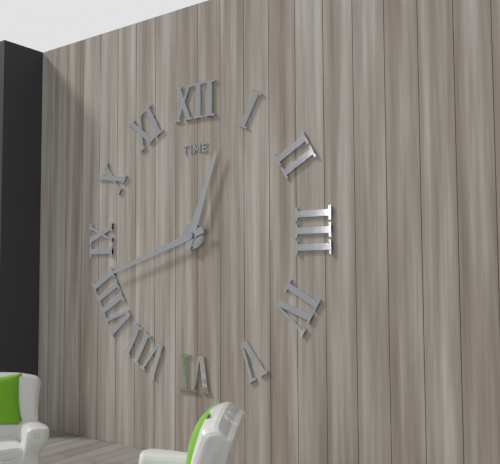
12:42
